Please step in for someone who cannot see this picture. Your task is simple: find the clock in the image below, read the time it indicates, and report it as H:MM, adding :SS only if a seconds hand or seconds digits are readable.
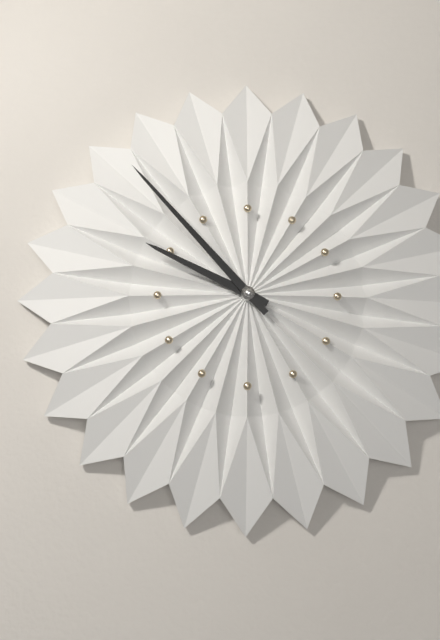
9:53
